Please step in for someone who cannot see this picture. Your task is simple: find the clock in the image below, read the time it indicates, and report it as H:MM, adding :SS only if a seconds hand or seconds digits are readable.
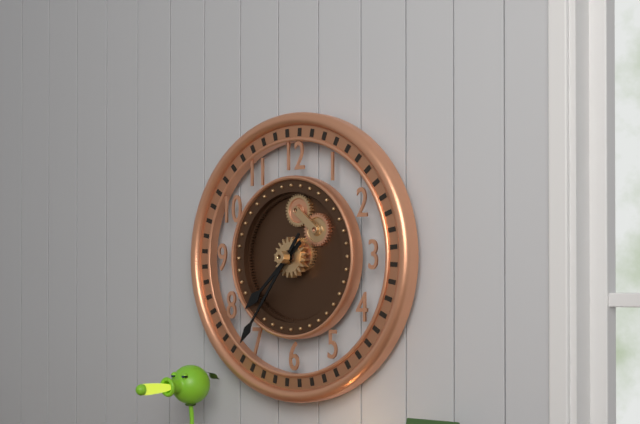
7:36
